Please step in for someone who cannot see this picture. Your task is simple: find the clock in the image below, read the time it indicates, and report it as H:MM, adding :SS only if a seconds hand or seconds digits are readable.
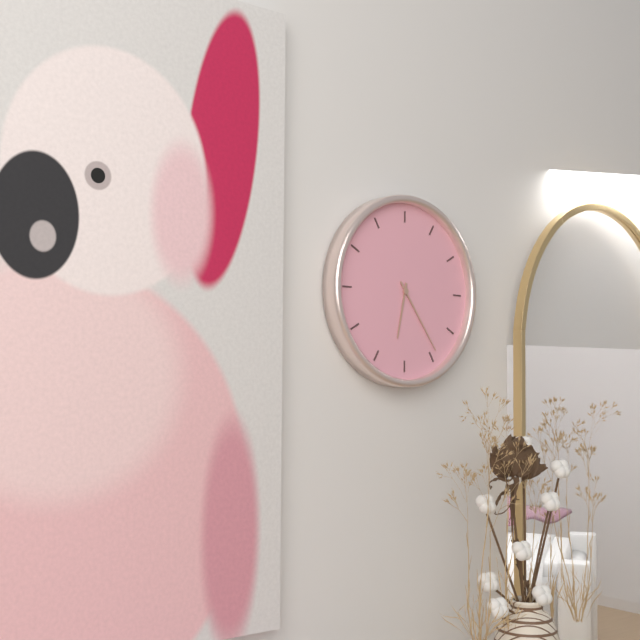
6:24
